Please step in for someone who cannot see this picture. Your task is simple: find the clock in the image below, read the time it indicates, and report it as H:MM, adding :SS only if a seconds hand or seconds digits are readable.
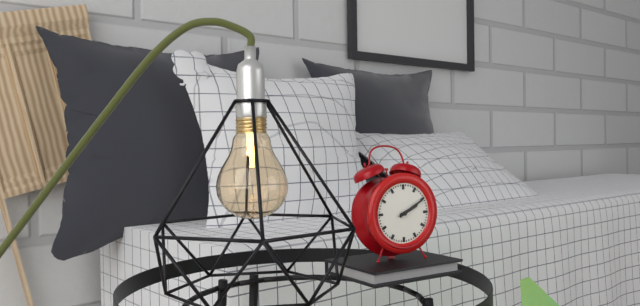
2:10
